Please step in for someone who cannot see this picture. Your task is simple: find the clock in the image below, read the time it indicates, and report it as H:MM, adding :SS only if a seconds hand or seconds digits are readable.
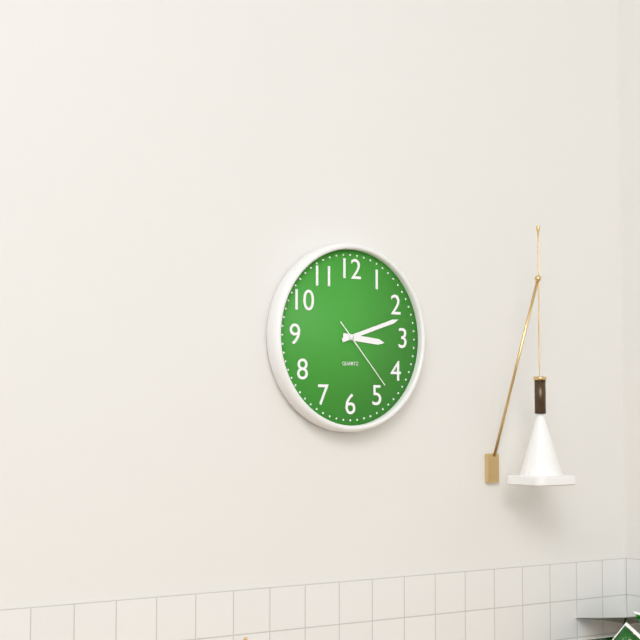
3:12:23
